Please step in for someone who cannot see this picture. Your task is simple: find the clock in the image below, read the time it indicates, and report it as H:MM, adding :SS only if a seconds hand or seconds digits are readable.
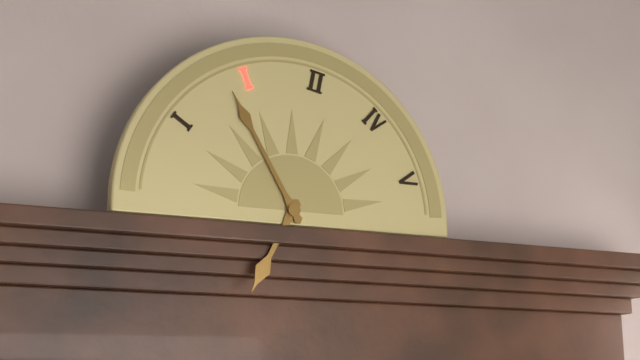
6:55
